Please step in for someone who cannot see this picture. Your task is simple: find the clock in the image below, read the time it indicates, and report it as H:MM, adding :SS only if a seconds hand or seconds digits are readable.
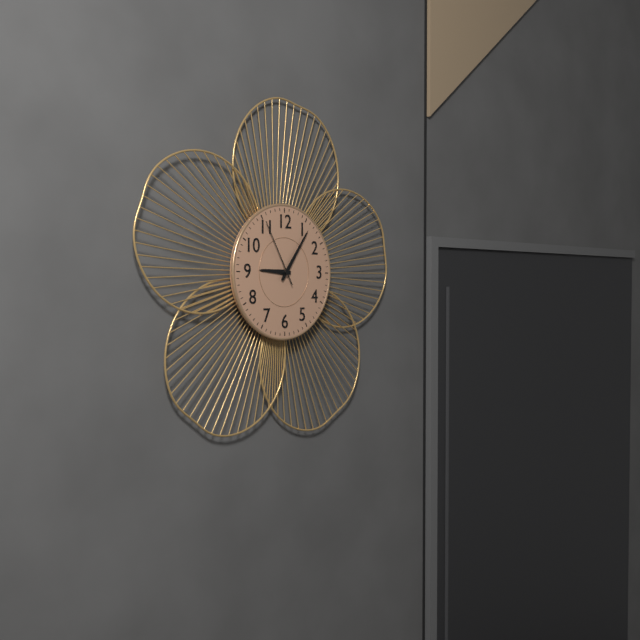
9:06:55
